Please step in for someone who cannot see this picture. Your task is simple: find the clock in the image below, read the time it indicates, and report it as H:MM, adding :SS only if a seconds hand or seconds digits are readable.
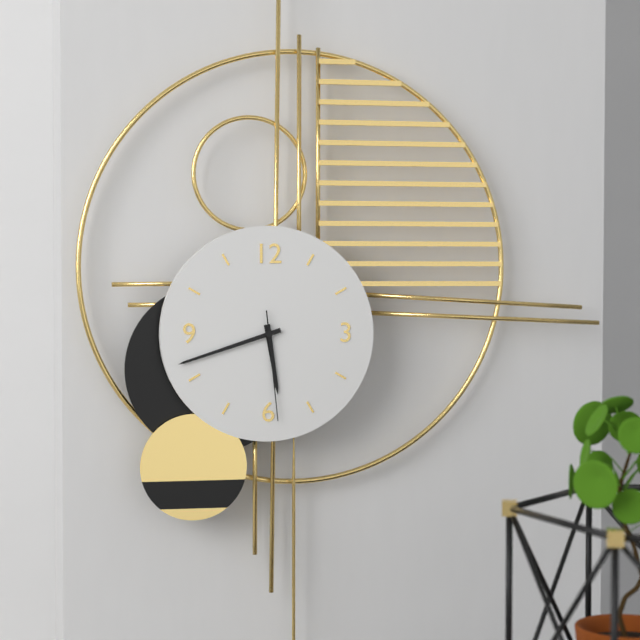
5:42:29
